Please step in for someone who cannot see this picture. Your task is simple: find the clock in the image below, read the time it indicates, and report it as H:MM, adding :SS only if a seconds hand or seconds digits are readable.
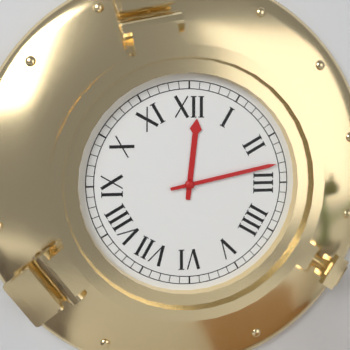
12:13
